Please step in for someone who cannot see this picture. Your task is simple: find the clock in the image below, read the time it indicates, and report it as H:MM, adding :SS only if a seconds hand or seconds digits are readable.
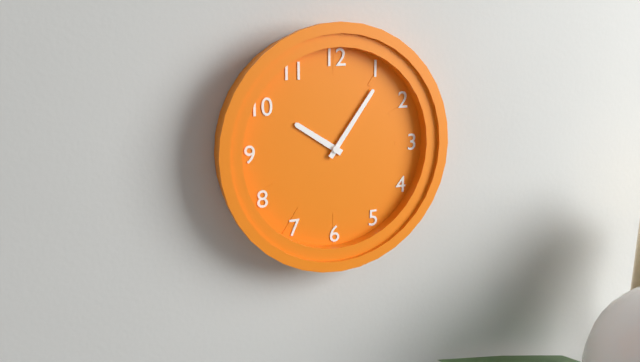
10:06
